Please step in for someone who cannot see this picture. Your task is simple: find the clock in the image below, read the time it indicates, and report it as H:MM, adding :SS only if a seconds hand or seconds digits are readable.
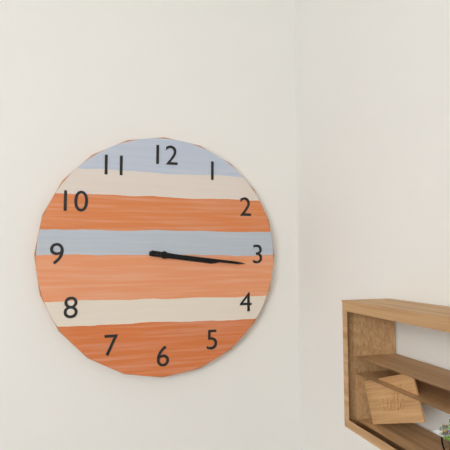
3:16
